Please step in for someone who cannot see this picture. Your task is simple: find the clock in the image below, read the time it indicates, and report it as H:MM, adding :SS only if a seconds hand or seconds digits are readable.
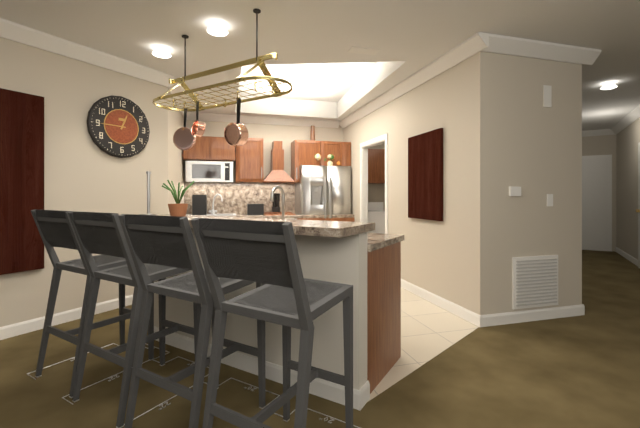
12:45
